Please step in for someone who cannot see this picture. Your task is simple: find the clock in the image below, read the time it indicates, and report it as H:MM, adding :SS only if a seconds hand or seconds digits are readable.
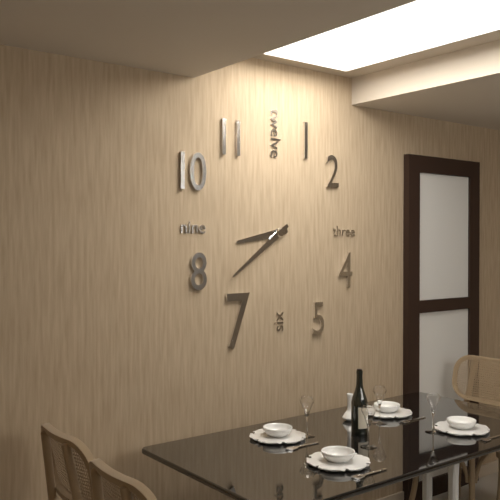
8:39
